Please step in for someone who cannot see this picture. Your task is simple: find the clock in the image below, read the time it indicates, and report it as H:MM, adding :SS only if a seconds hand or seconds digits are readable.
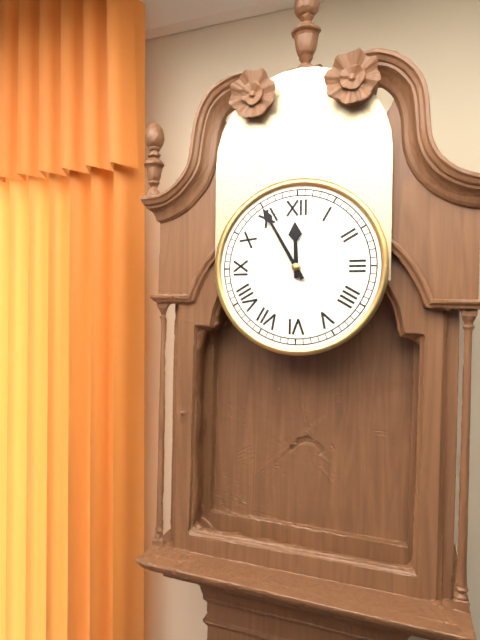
11:55
